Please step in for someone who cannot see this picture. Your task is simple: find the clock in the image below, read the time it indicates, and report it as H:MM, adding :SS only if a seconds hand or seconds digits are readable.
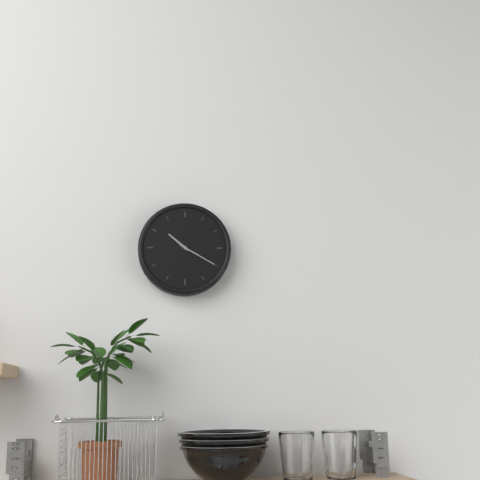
10:20
